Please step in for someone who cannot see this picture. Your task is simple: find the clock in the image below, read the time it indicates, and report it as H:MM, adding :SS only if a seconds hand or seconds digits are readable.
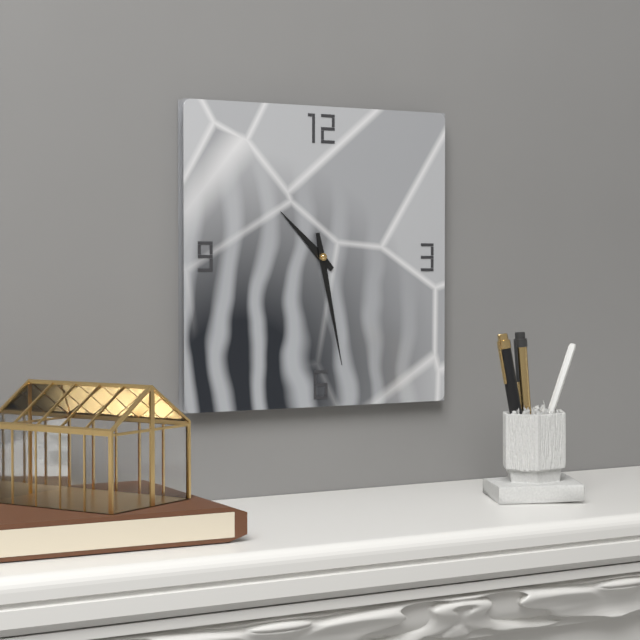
10:28
